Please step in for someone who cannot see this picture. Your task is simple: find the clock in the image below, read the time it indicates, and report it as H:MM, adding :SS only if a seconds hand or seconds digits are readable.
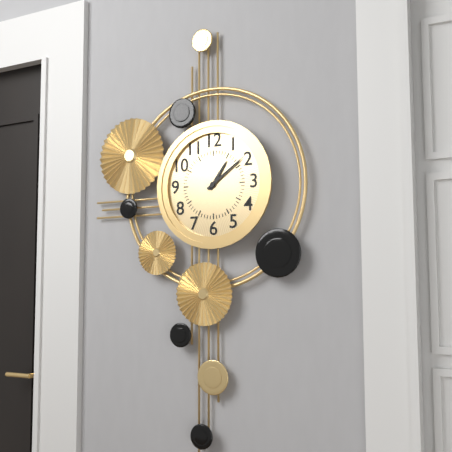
1:09
